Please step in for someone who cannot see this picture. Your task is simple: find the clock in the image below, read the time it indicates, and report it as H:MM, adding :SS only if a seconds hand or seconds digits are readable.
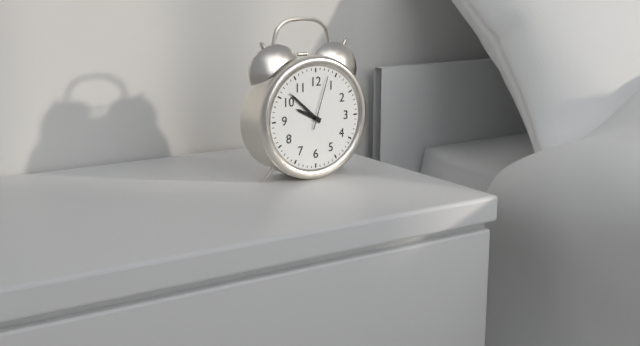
9:52:03
